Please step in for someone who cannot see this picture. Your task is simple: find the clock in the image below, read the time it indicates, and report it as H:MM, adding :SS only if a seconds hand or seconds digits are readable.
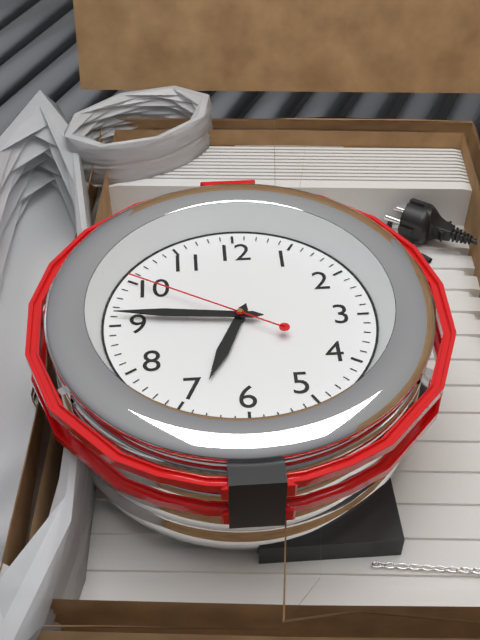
6:46:50
